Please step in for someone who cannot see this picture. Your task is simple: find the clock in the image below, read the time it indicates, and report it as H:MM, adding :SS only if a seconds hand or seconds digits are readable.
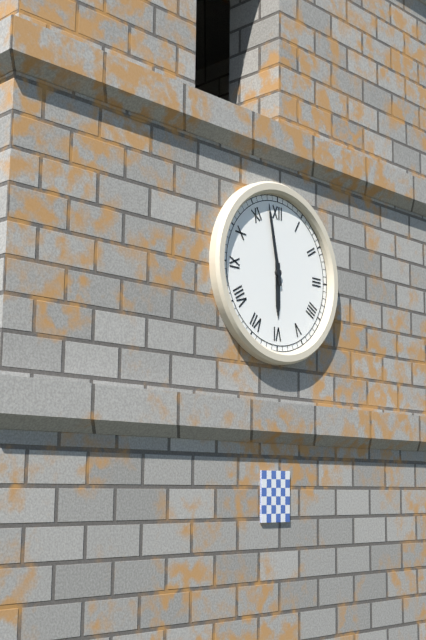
5:58
